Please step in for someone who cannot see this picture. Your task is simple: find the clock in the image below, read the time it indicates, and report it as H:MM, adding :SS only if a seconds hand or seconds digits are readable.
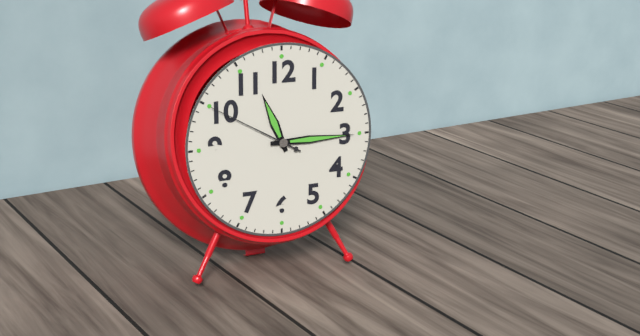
11:15:50
